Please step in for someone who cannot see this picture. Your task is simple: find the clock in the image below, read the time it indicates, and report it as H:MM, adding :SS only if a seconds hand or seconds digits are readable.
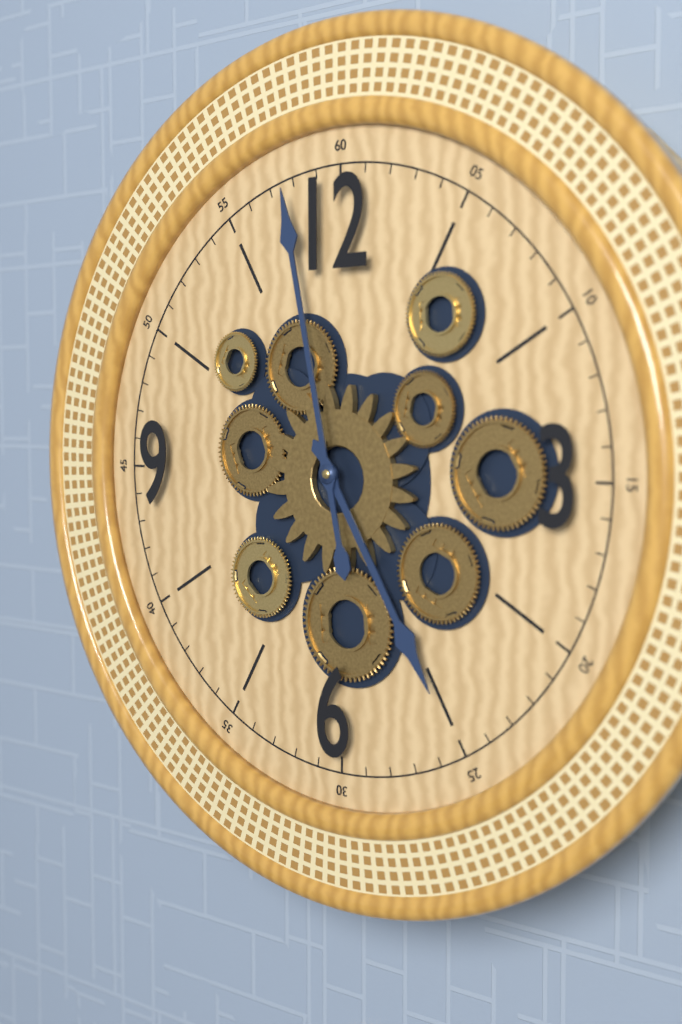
4:58
